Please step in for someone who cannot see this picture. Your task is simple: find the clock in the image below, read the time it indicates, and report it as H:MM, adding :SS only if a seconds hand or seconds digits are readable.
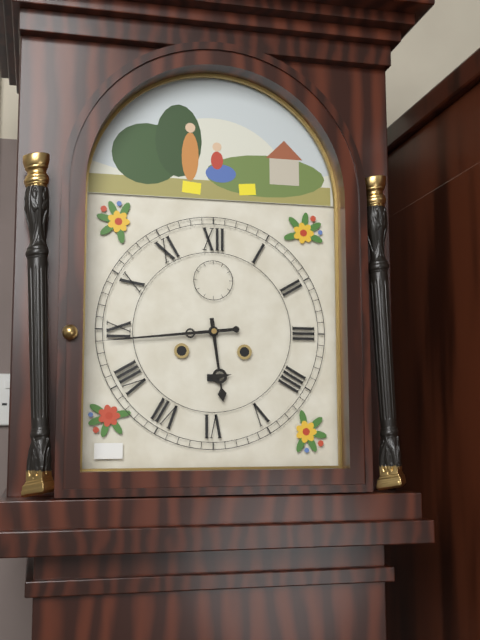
5:44
